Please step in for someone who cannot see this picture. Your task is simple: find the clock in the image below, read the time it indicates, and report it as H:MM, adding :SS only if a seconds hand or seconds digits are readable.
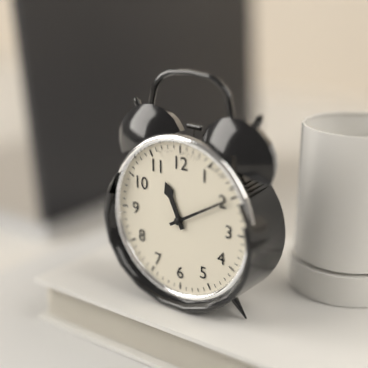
11:10
